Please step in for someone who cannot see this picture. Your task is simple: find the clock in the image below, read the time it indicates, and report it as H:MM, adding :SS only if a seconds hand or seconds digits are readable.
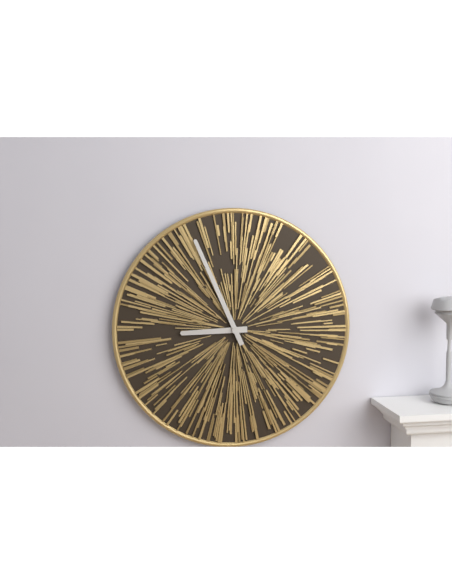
8:56
